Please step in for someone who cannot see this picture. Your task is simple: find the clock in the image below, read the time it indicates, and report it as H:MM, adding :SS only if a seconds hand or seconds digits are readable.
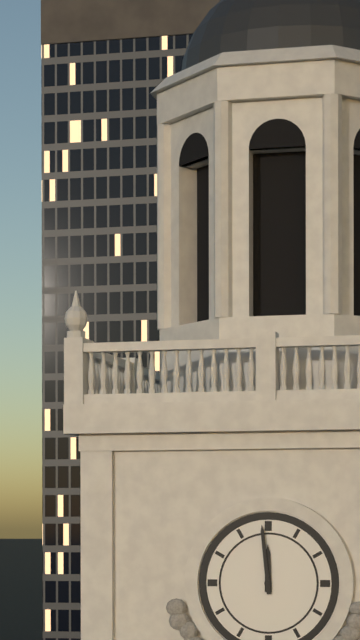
11:59
